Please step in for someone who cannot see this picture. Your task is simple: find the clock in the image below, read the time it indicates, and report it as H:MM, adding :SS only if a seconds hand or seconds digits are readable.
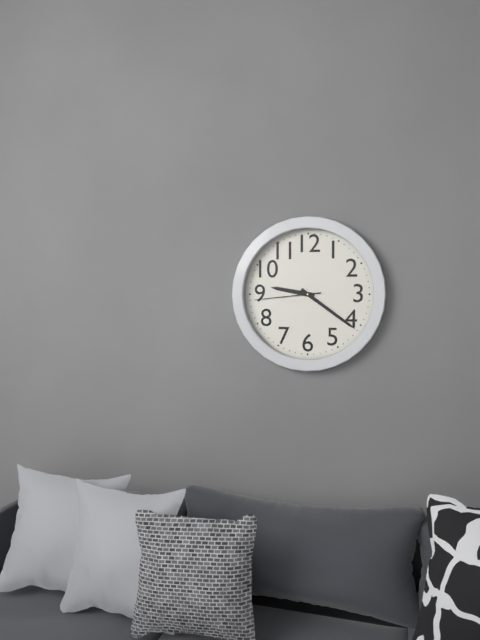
9:21:44
